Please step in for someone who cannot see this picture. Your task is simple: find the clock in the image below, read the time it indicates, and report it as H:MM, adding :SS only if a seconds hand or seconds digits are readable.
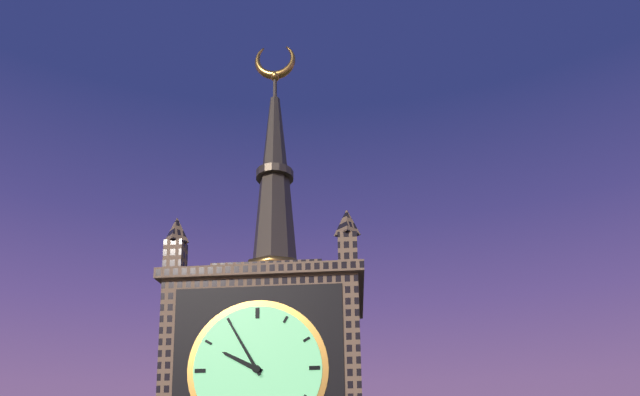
9:55
